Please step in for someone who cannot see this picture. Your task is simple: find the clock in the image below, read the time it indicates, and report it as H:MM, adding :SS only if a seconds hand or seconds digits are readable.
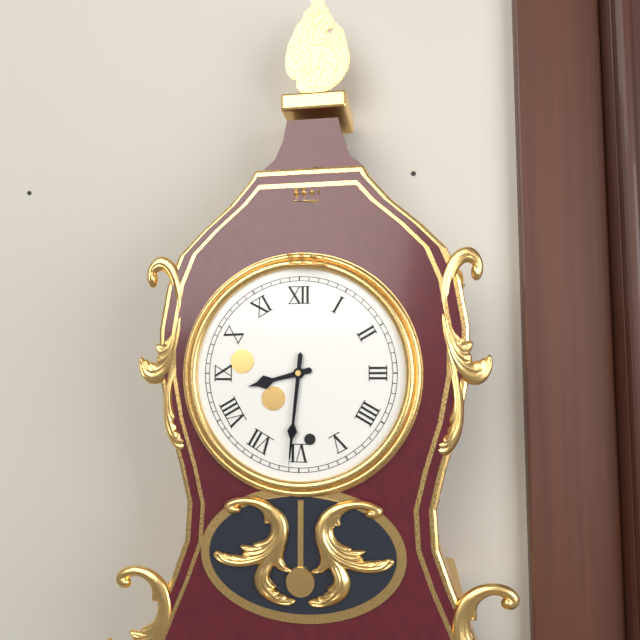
8:31
